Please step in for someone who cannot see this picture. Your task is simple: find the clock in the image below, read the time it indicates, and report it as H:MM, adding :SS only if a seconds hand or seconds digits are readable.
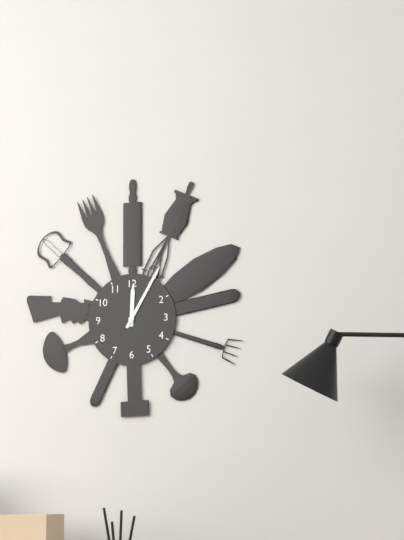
12:05
